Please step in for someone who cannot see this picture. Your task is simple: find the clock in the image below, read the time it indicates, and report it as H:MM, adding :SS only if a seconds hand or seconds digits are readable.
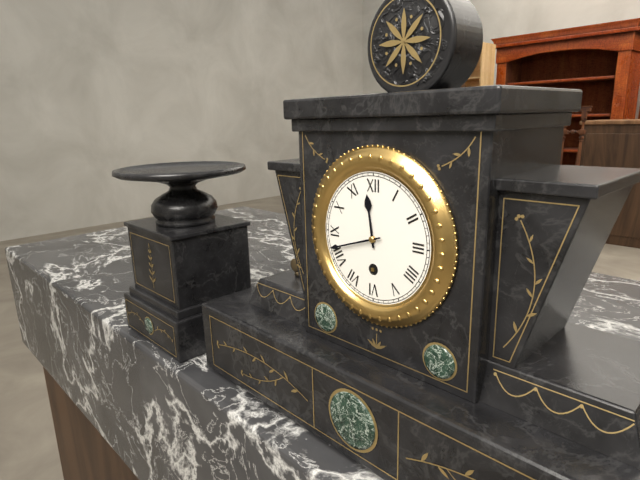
11:42
